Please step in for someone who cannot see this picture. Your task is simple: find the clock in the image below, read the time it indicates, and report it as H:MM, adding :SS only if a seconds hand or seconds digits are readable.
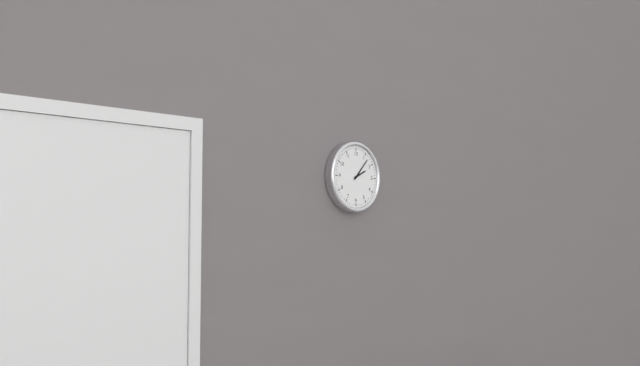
2:07
